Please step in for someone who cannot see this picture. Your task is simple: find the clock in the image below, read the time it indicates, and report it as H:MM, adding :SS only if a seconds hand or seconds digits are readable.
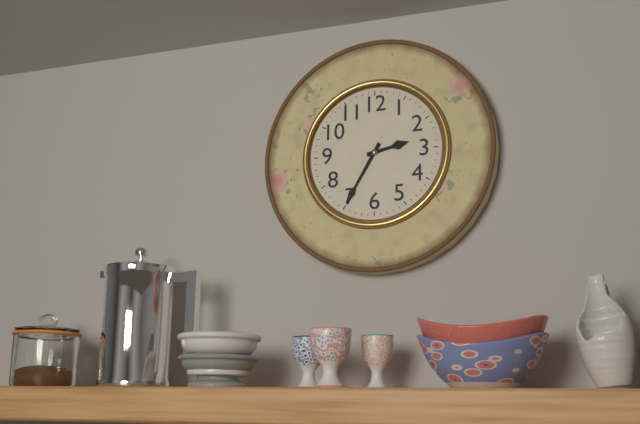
2:35
